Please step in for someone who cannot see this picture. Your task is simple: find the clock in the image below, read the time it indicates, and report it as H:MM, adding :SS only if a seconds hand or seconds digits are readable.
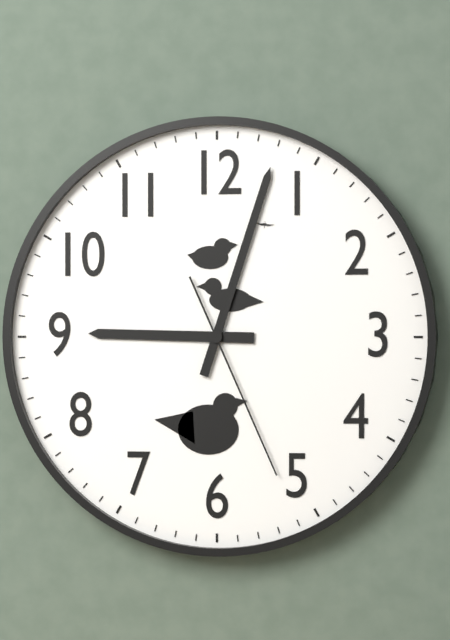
9:03:26
